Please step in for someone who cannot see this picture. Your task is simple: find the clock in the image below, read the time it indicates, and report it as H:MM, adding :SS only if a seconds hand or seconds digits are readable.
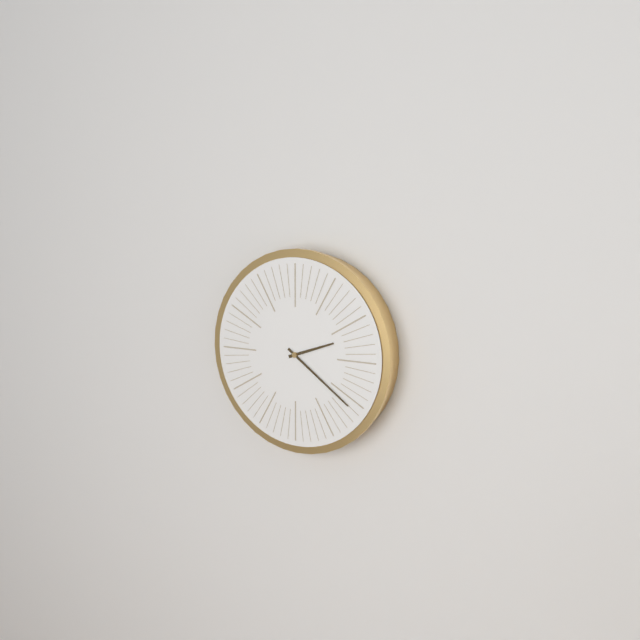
2:21
